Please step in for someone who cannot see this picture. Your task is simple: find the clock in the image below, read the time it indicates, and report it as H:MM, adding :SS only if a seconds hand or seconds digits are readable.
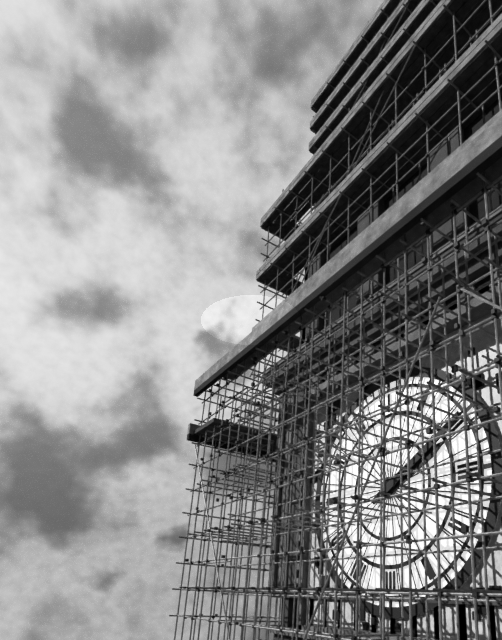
2:10
